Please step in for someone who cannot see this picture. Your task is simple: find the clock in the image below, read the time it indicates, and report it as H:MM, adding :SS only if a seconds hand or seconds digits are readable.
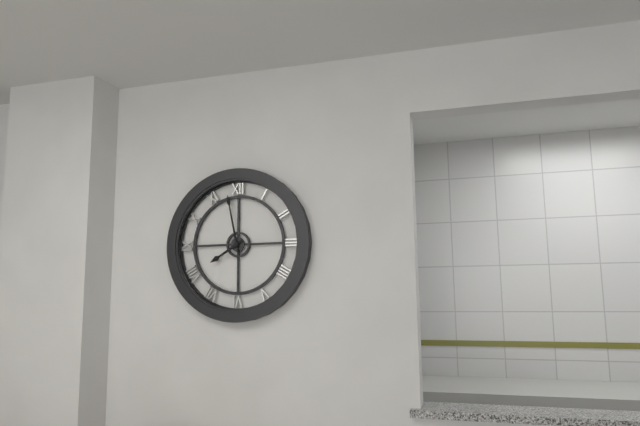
7:58
